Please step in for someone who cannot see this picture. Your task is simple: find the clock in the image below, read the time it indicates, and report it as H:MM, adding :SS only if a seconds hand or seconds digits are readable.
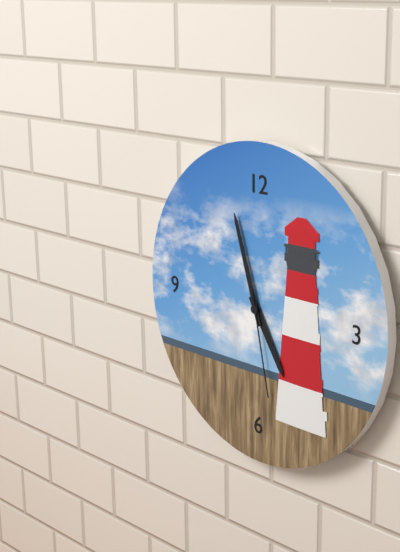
4:57:28
